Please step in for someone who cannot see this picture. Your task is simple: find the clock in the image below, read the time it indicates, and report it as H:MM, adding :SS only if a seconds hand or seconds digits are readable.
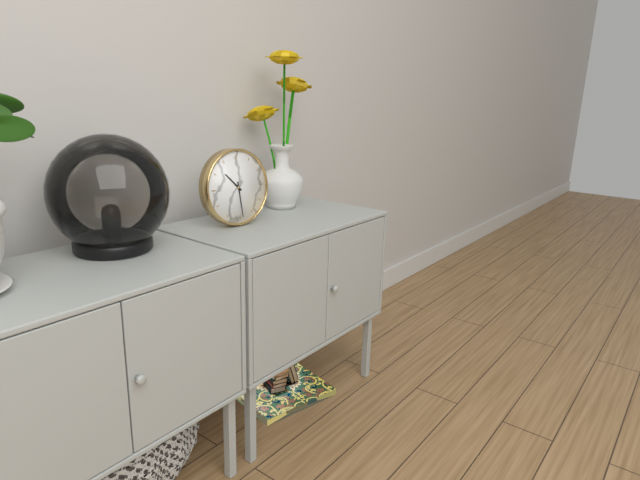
10:29
